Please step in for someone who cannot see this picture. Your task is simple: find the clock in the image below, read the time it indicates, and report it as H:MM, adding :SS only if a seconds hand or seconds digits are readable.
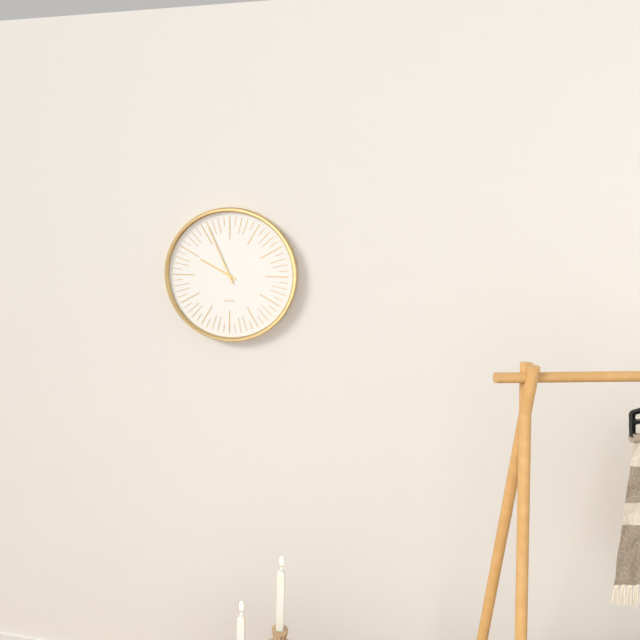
9:56
